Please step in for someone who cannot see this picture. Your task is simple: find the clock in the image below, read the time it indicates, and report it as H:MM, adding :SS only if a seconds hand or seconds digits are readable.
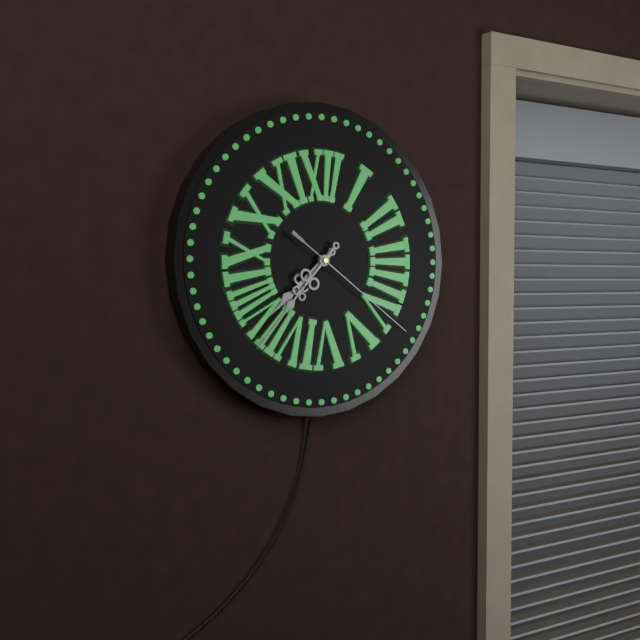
7:37:21
